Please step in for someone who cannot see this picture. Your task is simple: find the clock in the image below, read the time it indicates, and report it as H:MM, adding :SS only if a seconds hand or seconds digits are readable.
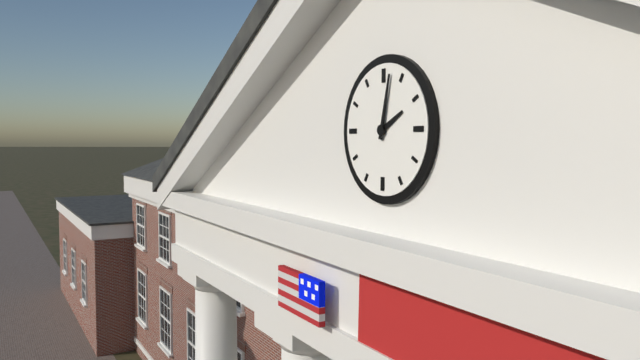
2:02
